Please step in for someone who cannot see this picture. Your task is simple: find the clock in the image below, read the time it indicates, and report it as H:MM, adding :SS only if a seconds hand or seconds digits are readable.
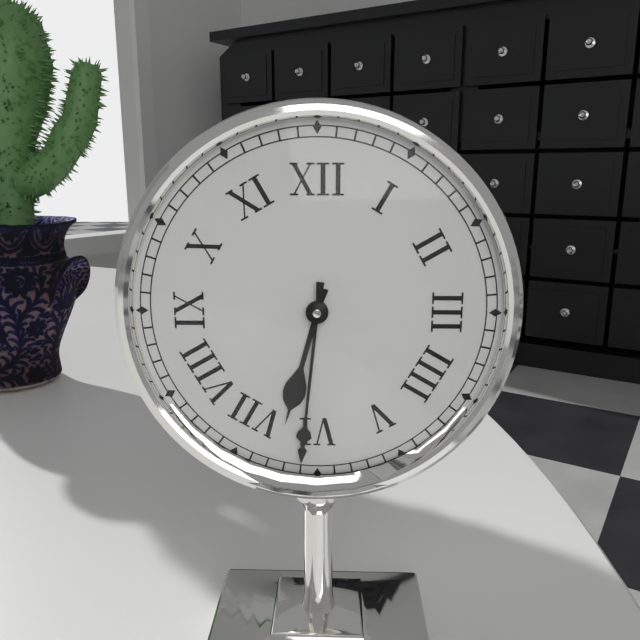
6:31
